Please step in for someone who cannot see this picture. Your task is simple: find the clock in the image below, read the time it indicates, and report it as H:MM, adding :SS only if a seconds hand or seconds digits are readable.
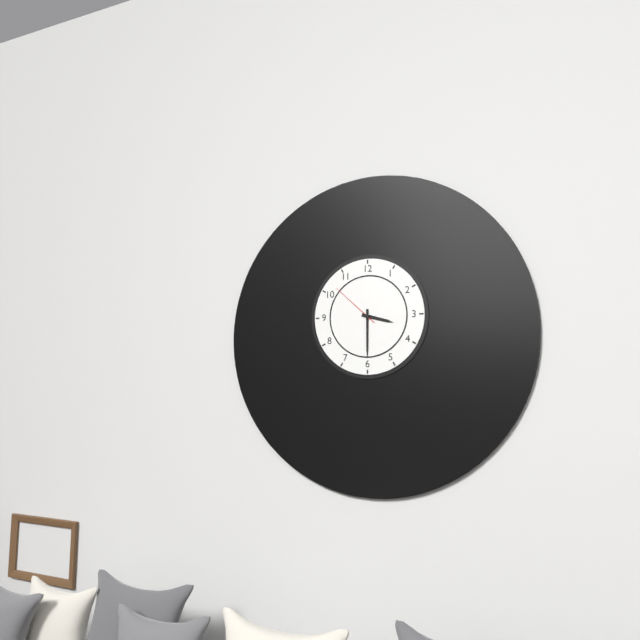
3:30:52
